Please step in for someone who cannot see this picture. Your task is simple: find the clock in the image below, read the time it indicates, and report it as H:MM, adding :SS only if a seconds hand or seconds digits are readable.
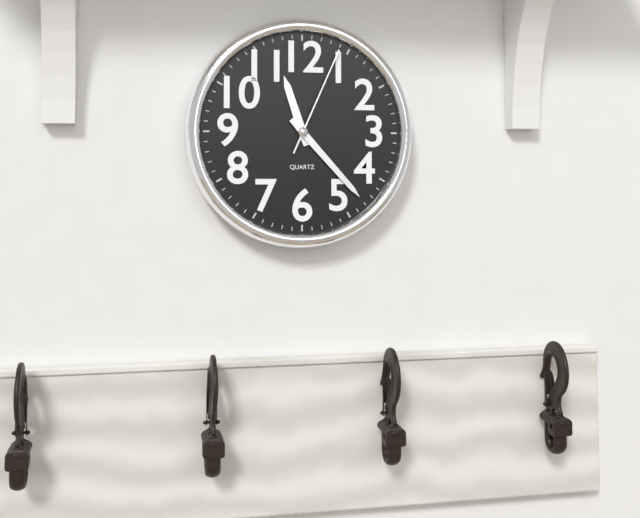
11:23:04
